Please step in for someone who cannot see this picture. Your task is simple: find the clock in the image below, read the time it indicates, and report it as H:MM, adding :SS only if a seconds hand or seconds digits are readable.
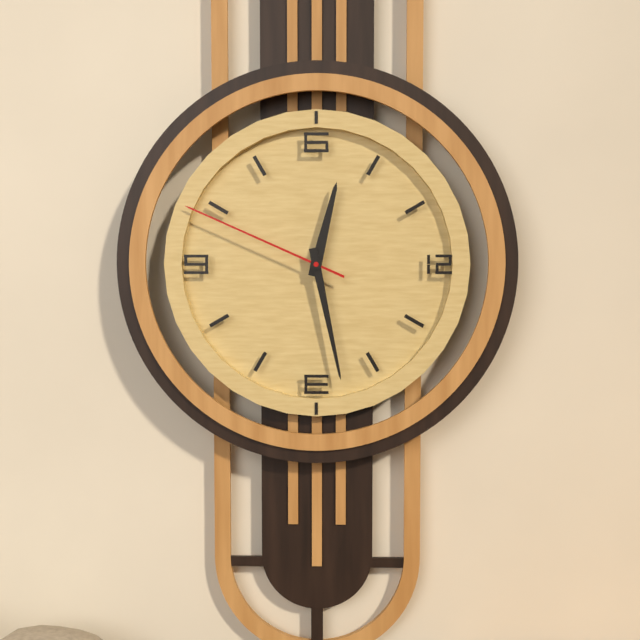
12:28:49
